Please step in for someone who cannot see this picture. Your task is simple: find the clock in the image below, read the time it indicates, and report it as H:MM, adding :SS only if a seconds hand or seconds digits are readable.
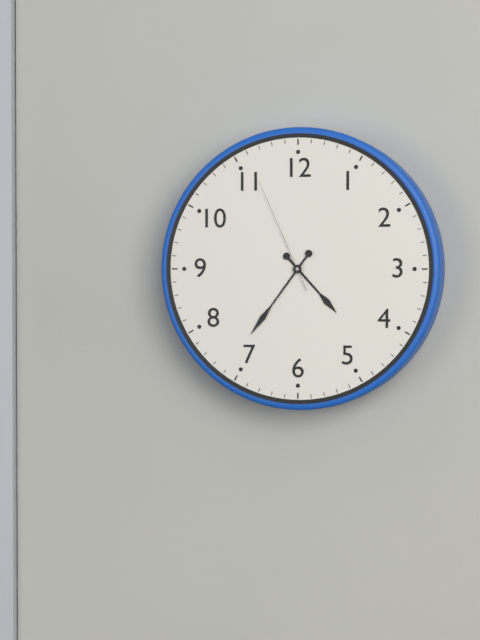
4:36:56
